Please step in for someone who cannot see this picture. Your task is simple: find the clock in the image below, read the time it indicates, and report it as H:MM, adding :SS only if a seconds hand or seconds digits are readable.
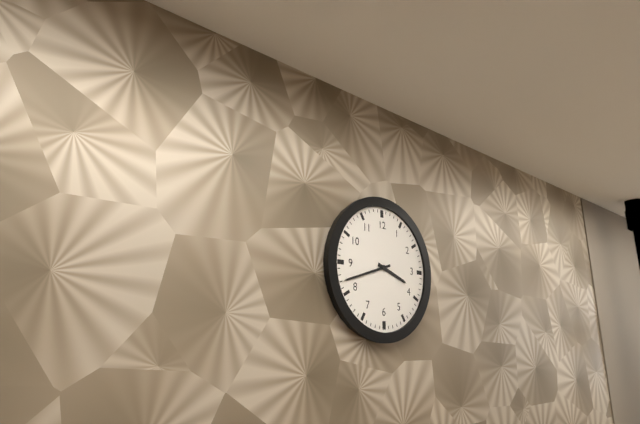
3:42
